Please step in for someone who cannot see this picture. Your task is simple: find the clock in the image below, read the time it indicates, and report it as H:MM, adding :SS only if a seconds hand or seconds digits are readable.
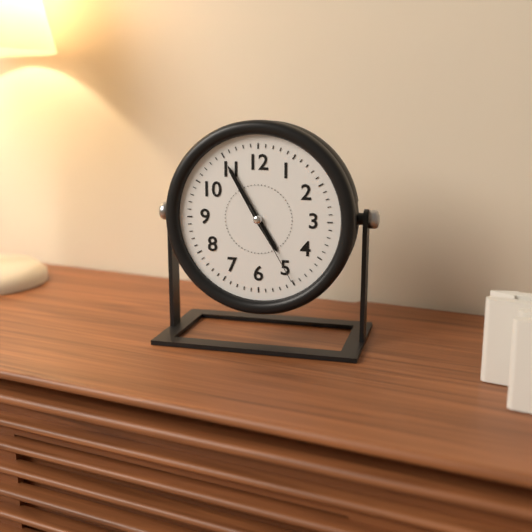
4:55:25
